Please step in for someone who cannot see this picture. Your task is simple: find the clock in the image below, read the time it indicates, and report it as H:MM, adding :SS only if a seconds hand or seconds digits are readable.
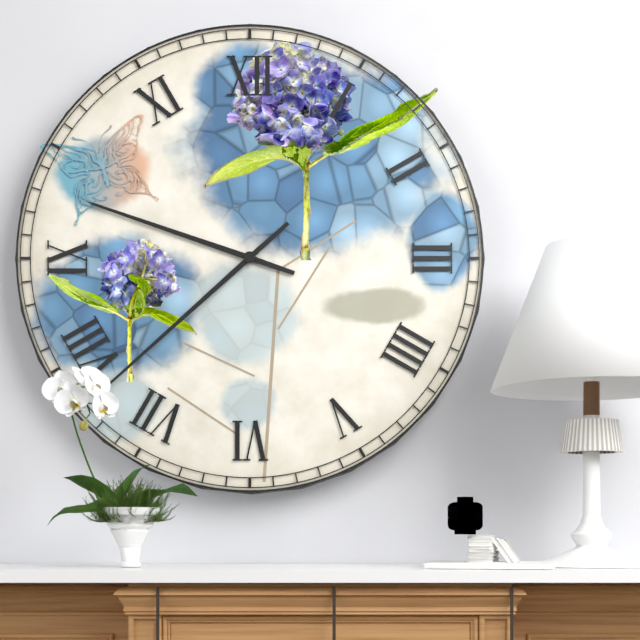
9:38
